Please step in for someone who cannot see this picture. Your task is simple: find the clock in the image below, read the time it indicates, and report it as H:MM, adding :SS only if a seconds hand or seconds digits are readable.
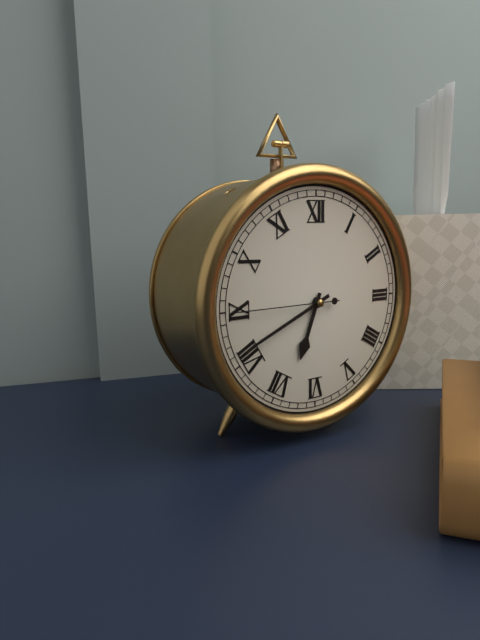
6:41:45
